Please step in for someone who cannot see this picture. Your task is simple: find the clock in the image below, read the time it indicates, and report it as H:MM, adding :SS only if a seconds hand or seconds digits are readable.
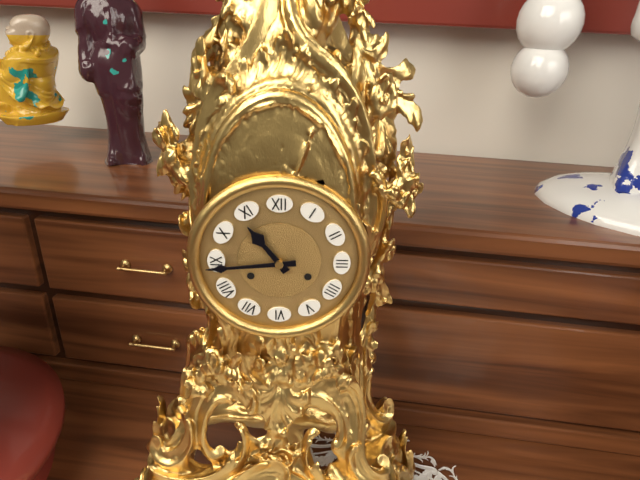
10:44
